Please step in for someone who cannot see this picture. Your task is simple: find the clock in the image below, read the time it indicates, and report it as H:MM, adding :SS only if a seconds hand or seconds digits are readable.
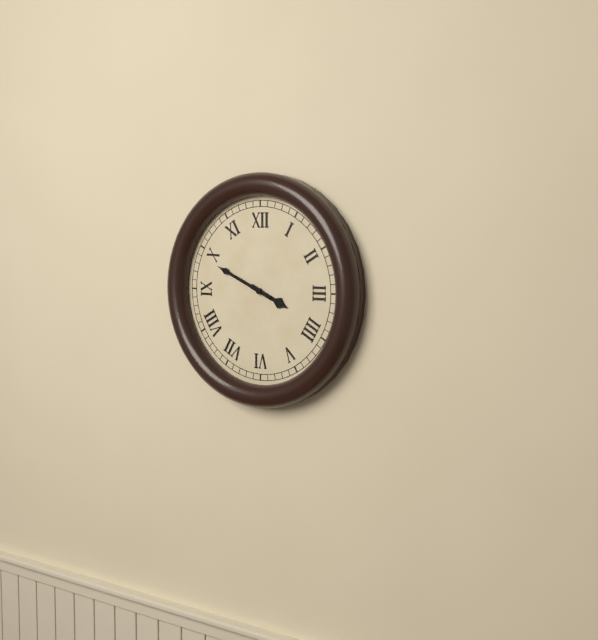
3:49
